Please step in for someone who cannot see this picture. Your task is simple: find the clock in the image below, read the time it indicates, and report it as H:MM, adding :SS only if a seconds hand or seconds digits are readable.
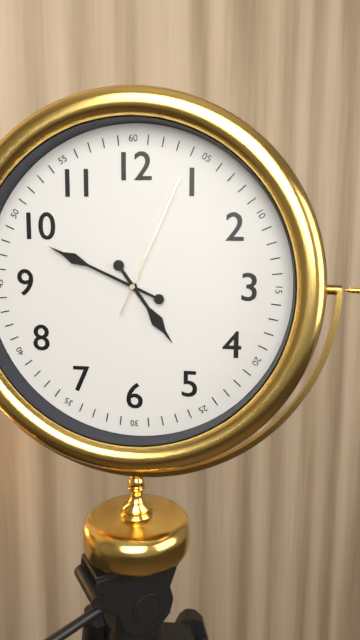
4:49:04
